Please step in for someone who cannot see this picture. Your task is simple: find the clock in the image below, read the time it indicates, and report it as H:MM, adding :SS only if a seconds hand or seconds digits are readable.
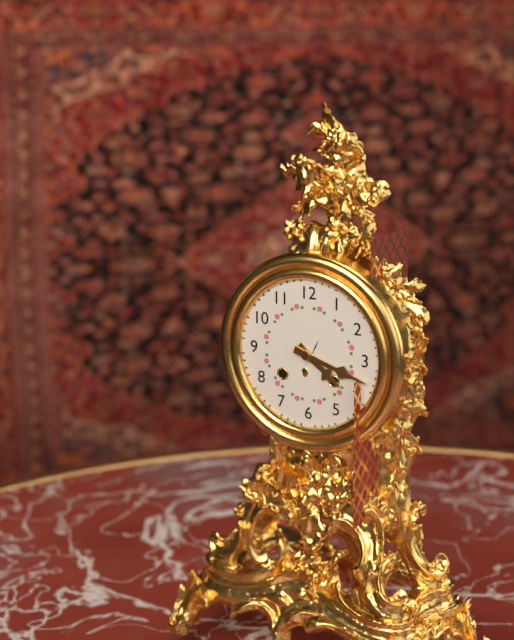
4:18
